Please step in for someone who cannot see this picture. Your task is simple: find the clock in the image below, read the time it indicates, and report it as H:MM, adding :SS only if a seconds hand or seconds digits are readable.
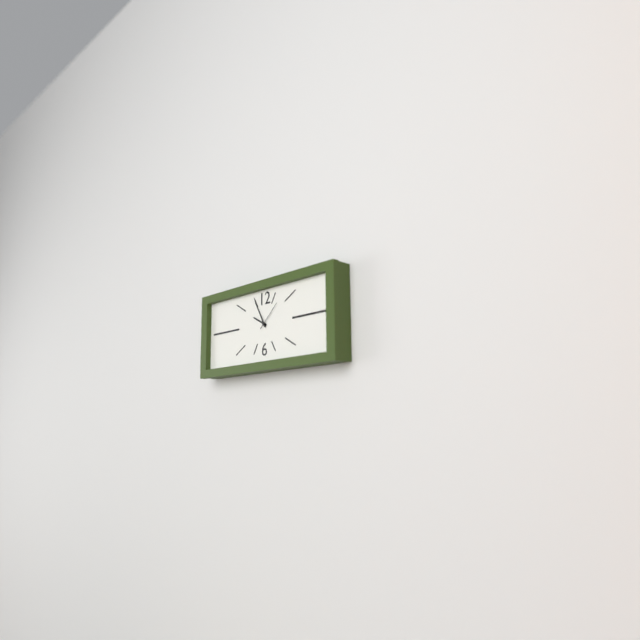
9:55
